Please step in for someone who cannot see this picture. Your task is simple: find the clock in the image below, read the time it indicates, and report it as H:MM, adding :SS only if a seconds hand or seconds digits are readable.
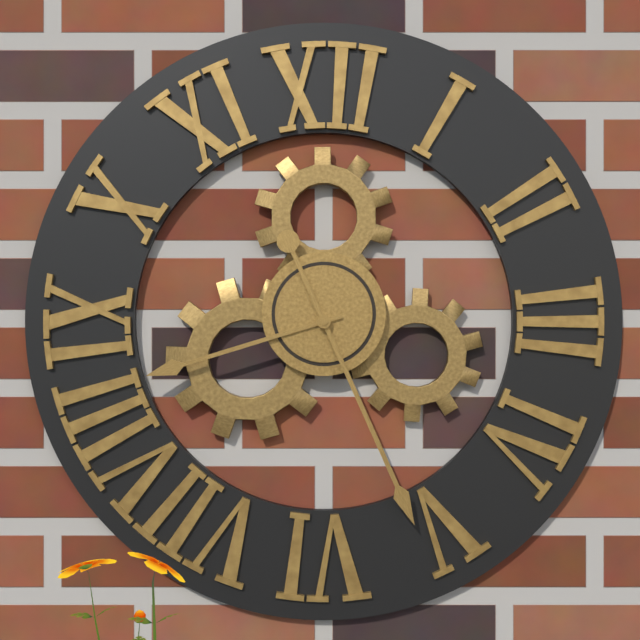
8:26
